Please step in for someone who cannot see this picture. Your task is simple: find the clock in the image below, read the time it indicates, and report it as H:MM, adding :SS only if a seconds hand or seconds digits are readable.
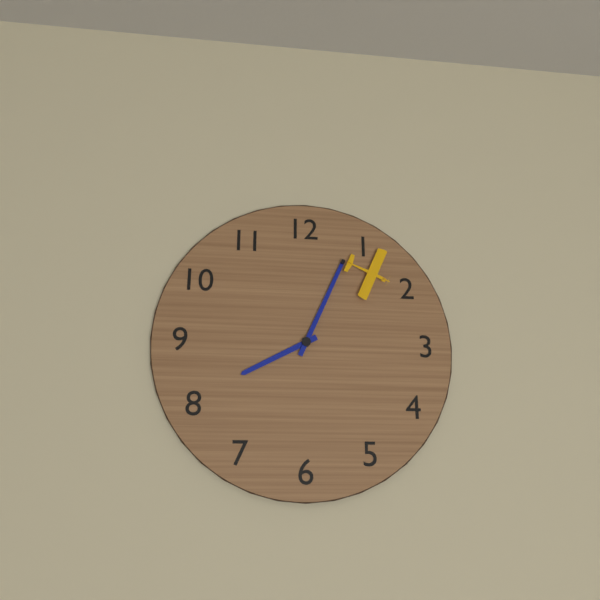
8:04
